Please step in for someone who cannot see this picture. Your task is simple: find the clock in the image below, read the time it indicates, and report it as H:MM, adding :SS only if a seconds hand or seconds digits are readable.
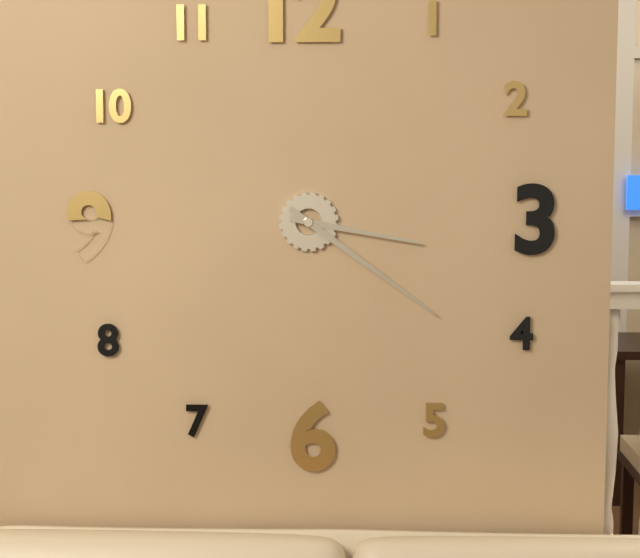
3:21
